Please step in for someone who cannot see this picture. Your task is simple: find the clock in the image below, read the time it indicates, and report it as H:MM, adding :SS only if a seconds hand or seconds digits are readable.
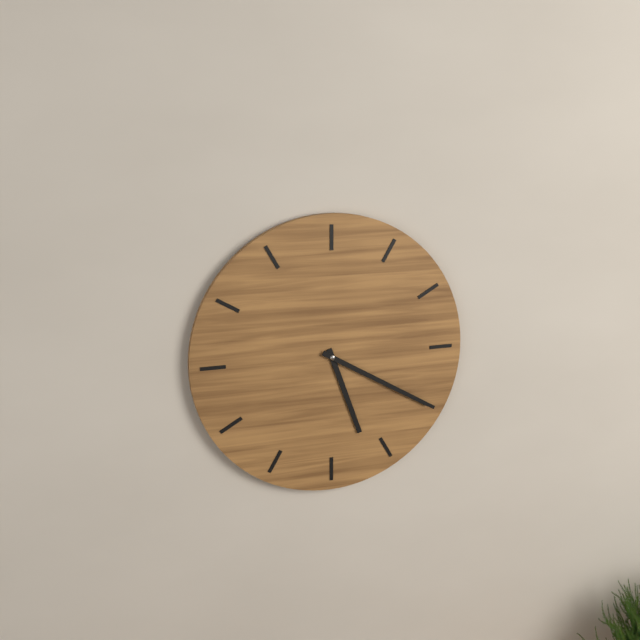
5:20
